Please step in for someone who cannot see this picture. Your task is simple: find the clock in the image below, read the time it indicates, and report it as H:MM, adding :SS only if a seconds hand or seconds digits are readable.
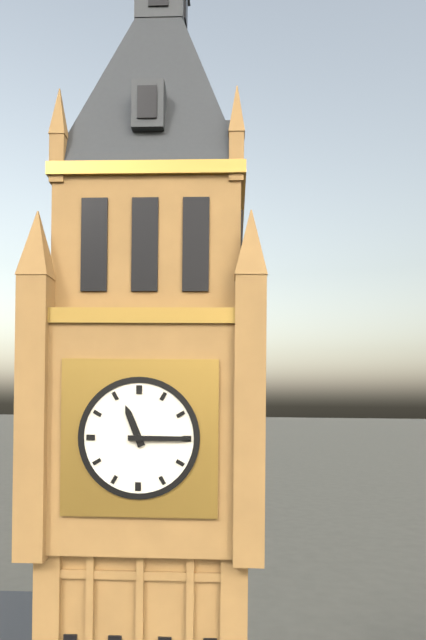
11:15
